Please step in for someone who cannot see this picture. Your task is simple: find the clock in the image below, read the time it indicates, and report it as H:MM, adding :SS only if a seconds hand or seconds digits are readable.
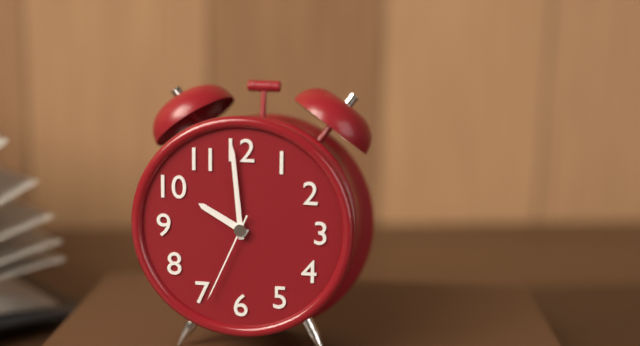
9:59:34
